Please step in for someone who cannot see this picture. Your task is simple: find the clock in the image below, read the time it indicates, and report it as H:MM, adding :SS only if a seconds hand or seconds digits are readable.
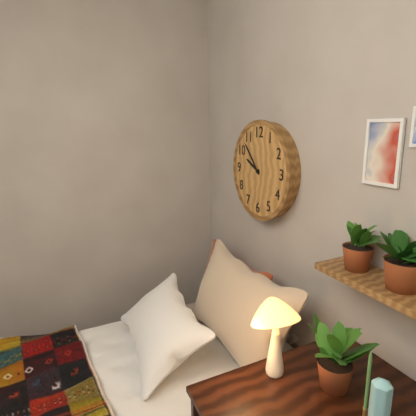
9:53
